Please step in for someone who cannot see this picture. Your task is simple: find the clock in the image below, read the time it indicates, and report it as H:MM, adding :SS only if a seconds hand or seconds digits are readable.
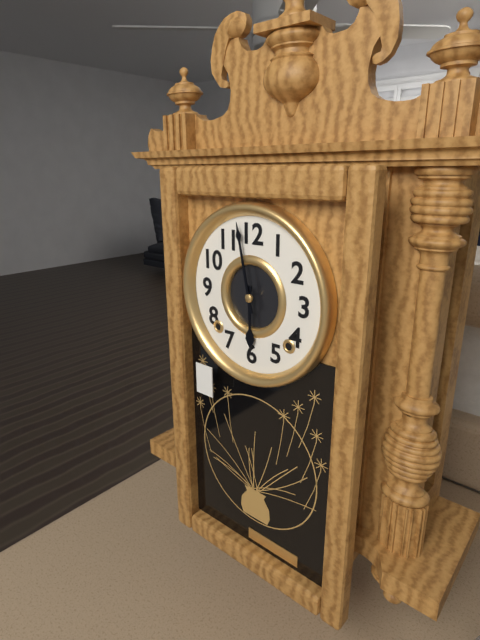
5:58
